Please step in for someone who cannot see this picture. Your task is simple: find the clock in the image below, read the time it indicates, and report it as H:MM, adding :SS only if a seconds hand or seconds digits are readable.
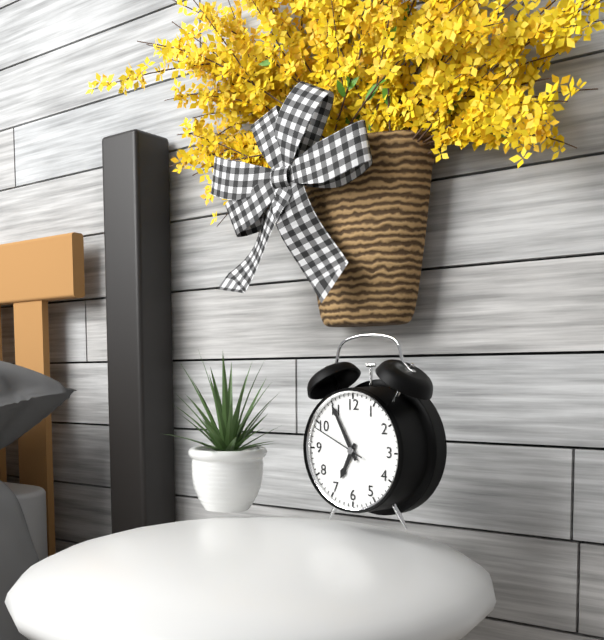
6:55:49
